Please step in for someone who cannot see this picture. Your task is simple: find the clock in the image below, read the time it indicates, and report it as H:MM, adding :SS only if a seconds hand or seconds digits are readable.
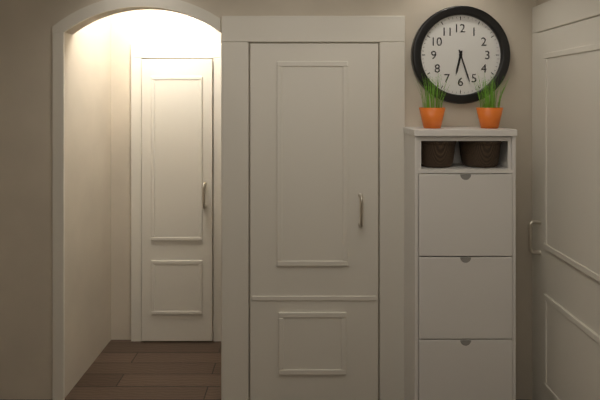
6:27
